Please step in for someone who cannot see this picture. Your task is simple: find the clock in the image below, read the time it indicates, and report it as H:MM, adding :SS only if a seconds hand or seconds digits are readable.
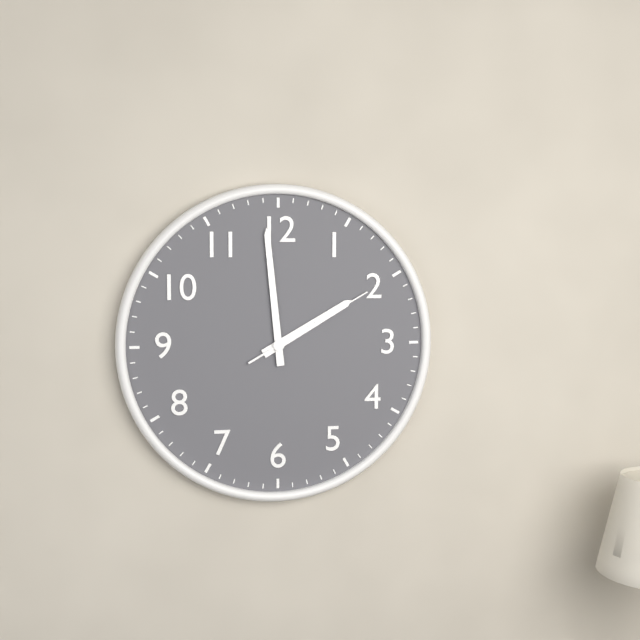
1:59:10
